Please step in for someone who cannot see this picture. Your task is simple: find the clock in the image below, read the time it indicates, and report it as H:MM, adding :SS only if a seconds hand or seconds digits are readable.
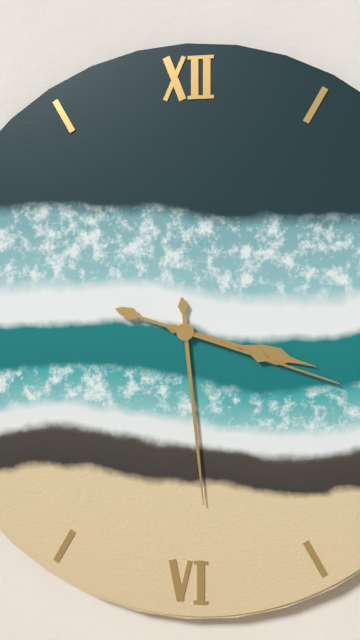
3:29:18
